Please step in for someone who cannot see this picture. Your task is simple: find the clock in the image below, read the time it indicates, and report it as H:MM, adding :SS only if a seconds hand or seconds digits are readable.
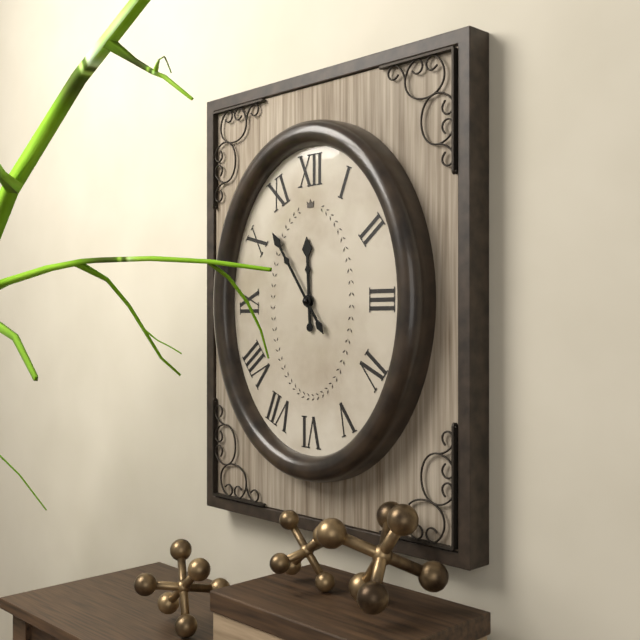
11:54
